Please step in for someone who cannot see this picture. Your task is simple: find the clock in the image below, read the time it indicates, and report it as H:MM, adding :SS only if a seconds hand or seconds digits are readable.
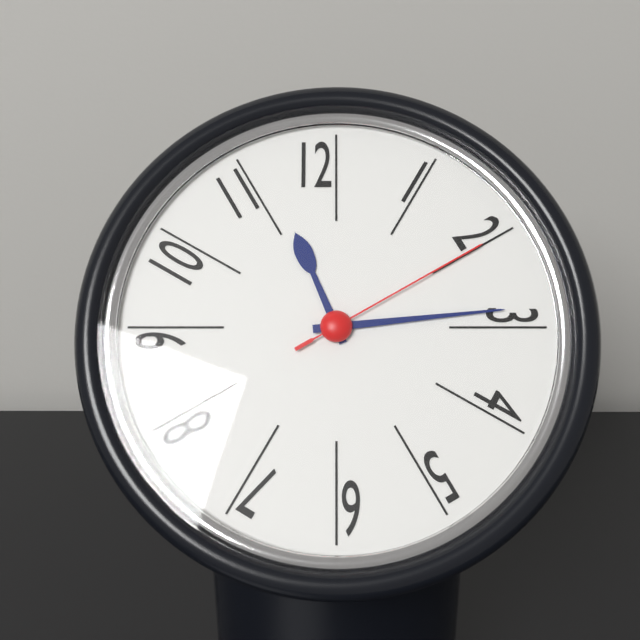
11:14:10
